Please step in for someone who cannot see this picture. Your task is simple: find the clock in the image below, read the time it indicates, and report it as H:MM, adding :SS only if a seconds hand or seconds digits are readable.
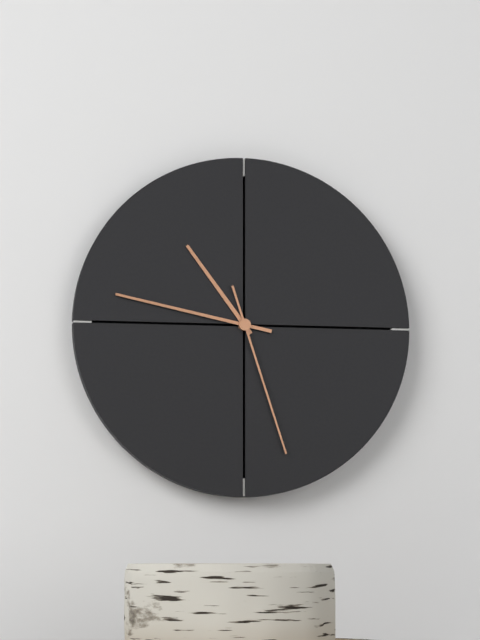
10:47:27
